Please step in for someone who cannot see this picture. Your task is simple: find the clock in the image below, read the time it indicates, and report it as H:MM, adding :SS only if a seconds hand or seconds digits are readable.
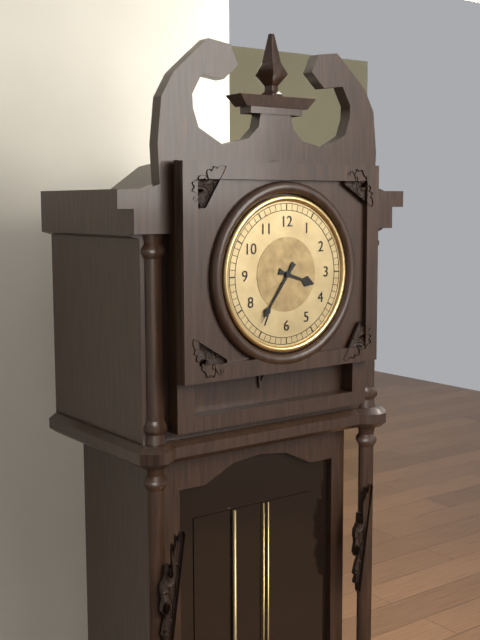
3:36
